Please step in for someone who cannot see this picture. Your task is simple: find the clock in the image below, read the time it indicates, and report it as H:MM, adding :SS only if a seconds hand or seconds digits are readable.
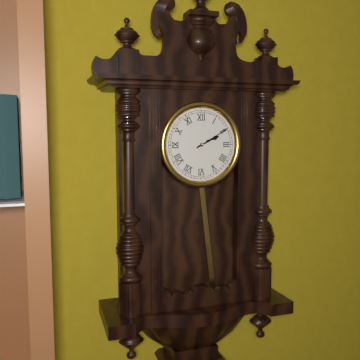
2:10
